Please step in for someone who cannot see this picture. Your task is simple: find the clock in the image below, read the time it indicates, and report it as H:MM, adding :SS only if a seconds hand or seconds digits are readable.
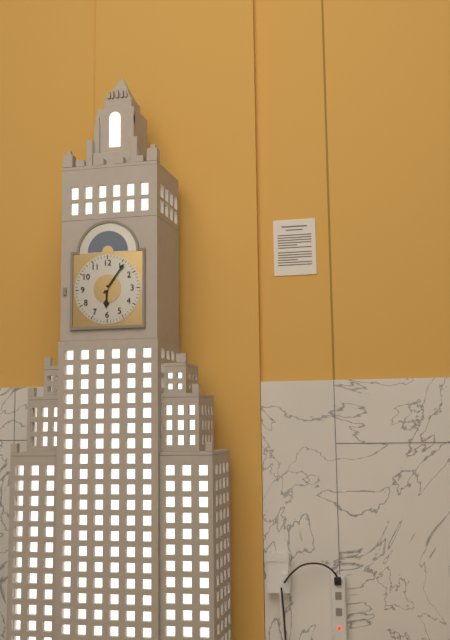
6:06
